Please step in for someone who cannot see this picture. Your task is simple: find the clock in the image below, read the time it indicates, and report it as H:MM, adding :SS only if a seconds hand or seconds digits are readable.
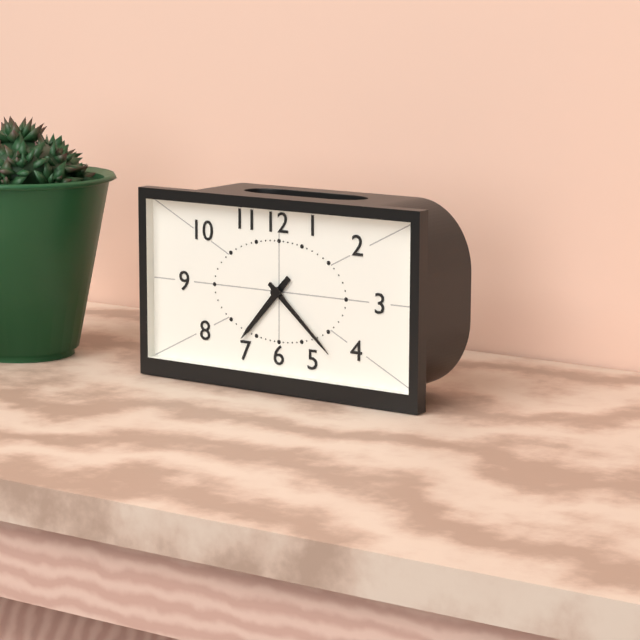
7:22
